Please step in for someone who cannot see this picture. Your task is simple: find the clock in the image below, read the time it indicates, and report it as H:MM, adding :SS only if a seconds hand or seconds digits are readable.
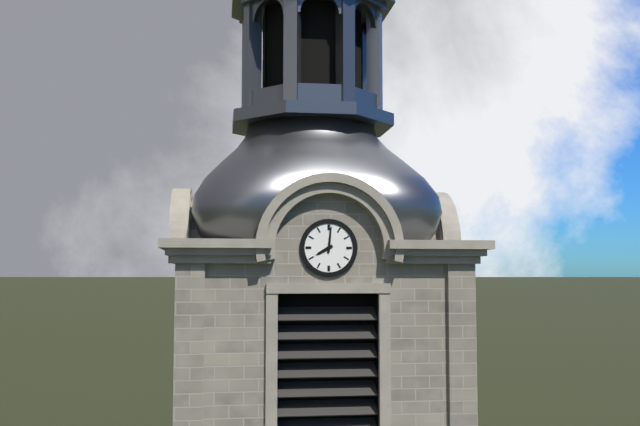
8:01
